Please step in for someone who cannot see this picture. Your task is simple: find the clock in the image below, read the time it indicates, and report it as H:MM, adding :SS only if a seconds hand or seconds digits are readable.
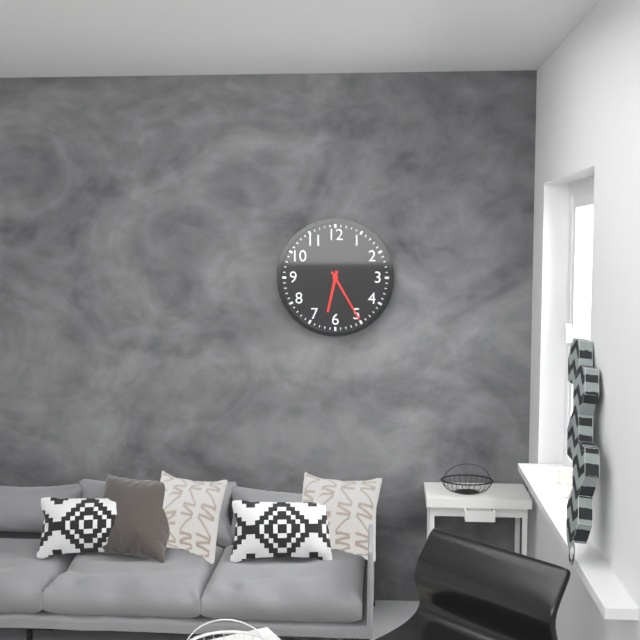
6:25
